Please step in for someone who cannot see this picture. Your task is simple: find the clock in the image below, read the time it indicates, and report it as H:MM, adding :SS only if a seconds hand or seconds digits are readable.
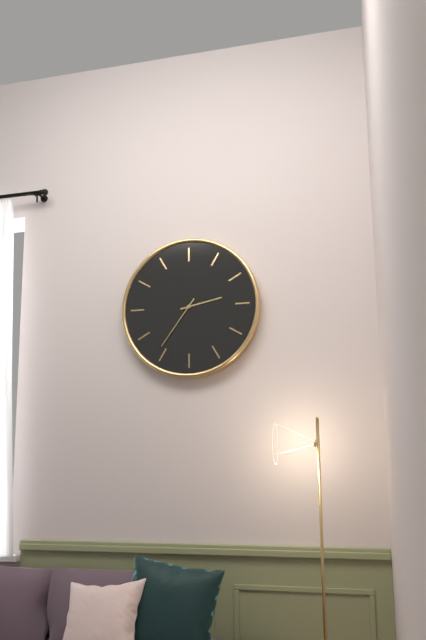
2:36
